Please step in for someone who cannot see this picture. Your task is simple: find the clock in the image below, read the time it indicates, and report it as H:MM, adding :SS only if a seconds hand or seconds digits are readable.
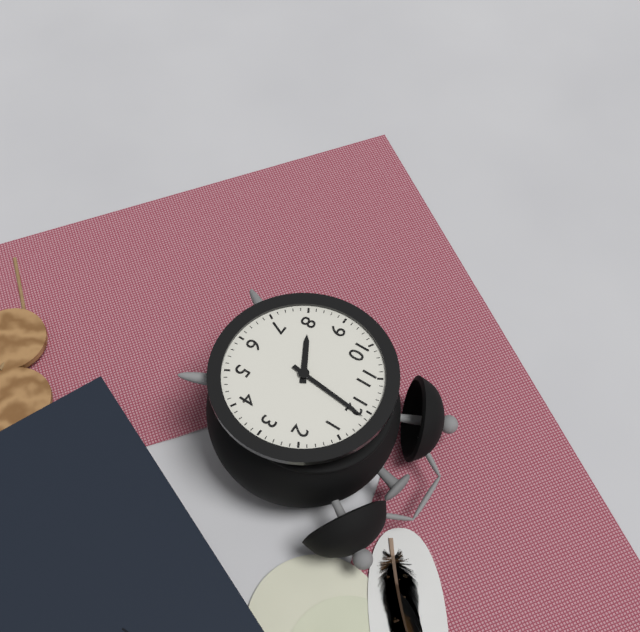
8:01
